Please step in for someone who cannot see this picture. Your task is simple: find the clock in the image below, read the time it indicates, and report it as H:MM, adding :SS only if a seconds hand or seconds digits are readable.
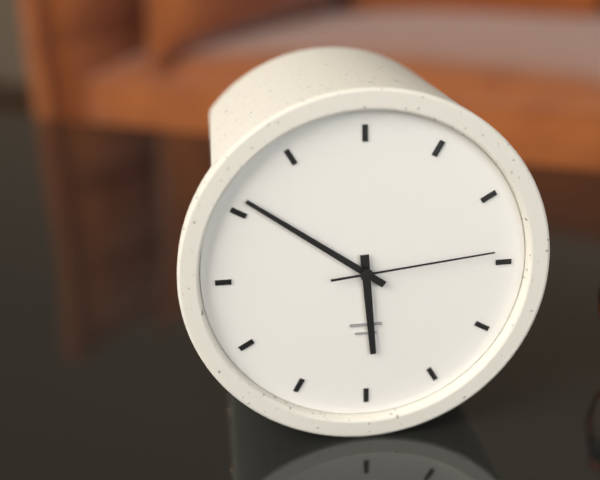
5:51:14
